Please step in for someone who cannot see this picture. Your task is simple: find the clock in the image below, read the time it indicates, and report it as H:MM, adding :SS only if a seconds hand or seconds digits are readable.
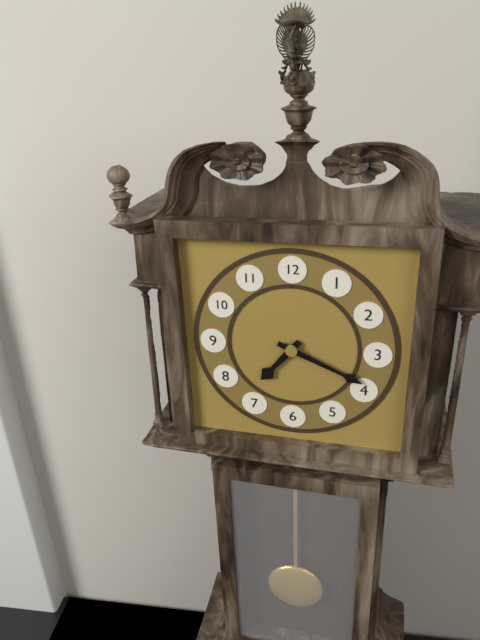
7:19
